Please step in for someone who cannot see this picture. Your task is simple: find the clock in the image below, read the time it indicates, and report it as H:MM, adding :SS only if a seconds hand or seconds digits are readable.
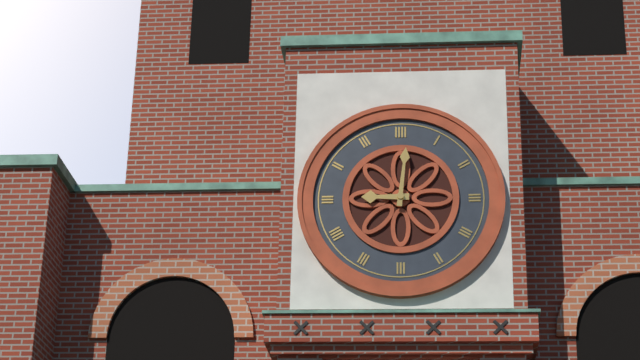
9:01
